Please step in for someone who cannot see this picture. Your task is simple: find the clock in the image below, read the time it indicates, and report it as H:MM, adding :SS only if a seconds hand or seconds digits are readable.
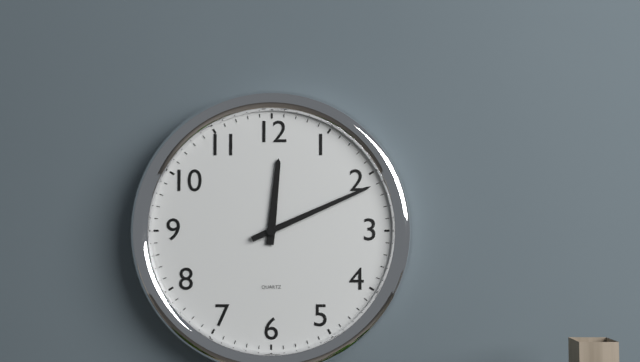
12:11
